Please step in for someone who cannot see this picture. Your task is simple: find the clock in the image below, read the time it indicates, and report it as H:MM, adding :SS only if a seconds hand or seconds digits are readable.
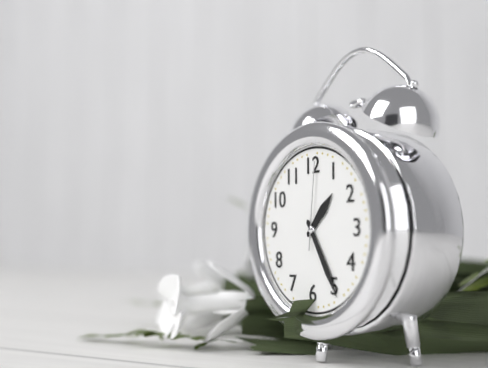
1:25:01
